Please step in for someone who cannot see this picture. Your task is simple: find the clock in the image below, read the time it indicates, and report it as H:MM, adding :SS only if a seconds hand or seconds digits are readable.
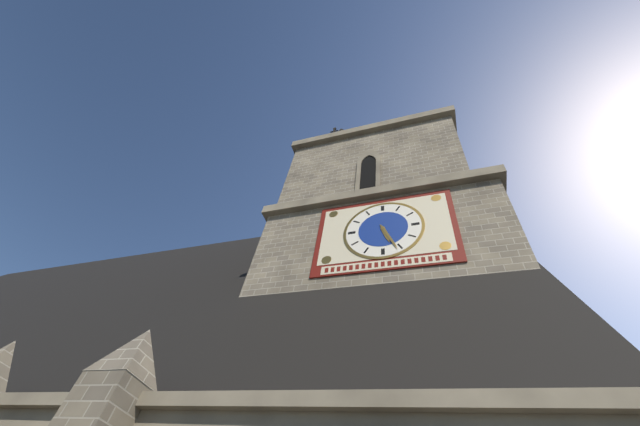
5:26
